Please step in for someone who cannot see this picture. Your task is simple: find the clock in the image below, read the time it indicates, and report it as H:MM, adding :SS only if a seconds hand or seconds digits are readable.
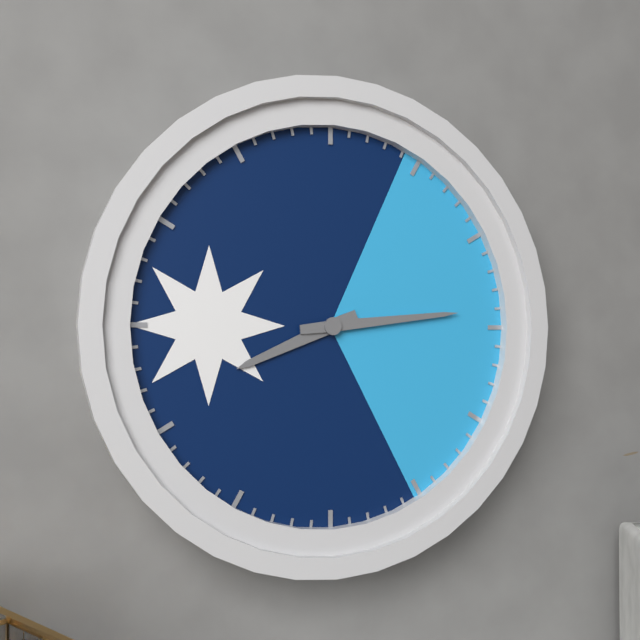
8:14
